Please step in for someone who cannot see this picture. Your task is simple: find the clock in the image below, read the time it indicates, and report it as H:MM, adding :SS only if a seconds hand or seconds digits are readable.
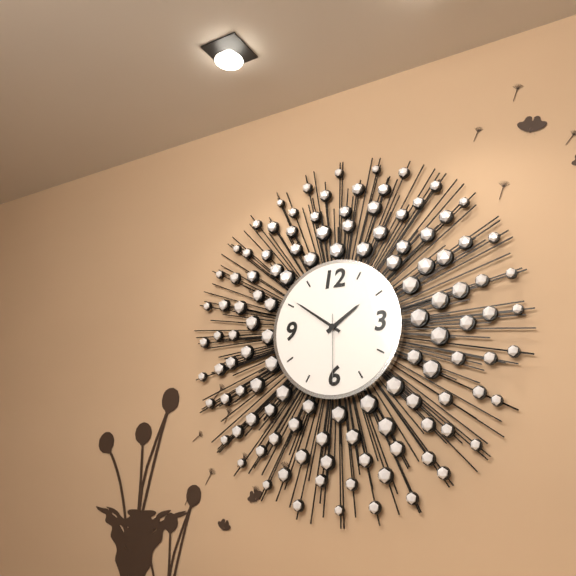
1:51:30
